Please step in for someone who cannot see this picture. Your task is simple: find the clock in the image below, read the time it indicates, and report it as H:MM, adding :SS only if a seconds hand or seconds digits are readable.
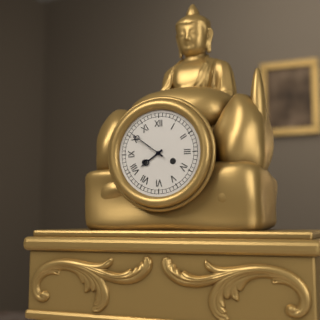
7:51
